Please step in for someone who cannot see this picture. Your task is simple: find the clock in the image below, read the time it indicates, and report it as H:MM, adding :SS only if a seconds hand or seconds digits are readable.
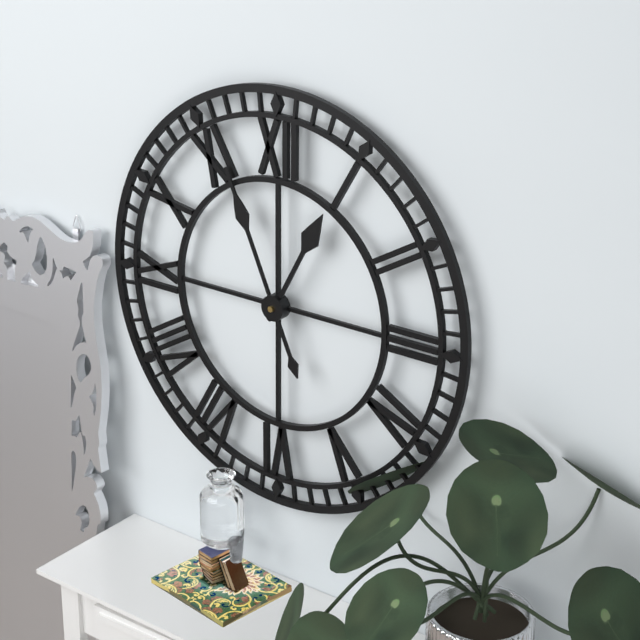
12:56
